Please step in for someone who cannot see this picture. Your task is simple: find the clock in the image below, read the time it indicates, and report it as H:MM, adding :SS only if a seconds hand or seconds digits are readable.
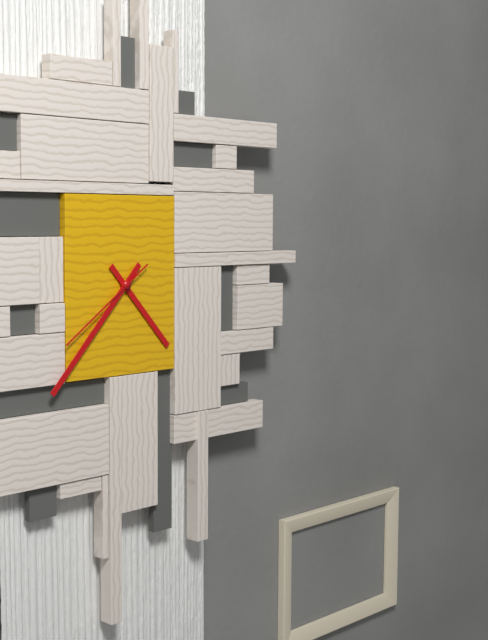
4:37:39
